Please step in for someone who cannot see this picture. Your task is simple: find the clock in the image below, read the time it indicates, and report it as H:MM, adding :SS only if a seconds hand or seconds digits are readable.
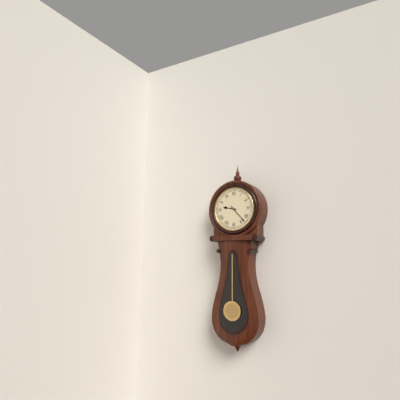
9:23
